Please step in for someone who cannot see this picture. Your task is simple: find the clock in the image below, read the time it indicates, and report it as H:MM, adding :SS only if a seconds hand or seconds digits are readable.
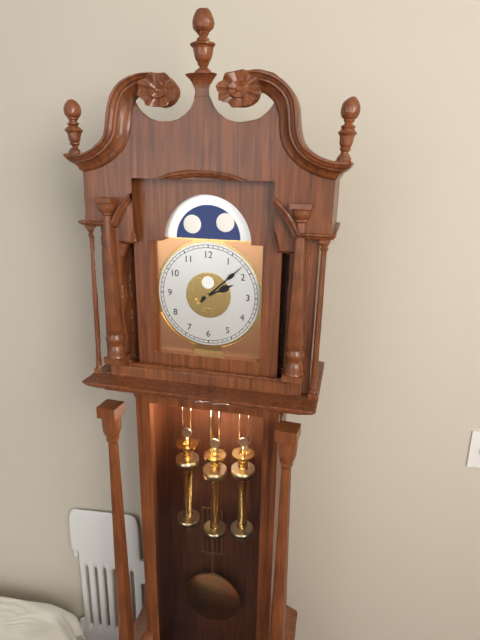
2:08
